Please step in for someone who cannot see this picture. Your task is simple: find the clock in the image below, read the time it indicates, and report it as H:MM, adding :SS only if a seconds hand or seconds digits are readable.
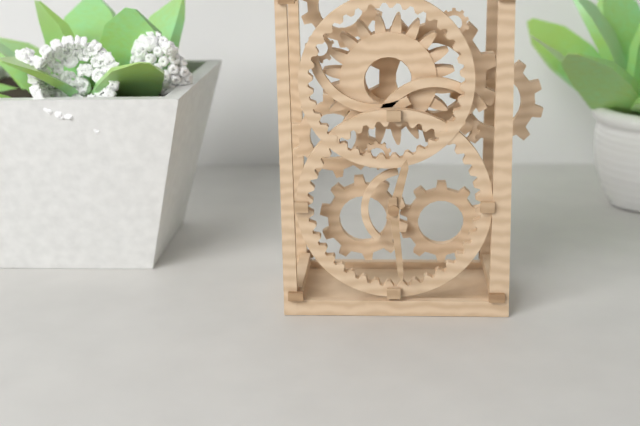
12:29
